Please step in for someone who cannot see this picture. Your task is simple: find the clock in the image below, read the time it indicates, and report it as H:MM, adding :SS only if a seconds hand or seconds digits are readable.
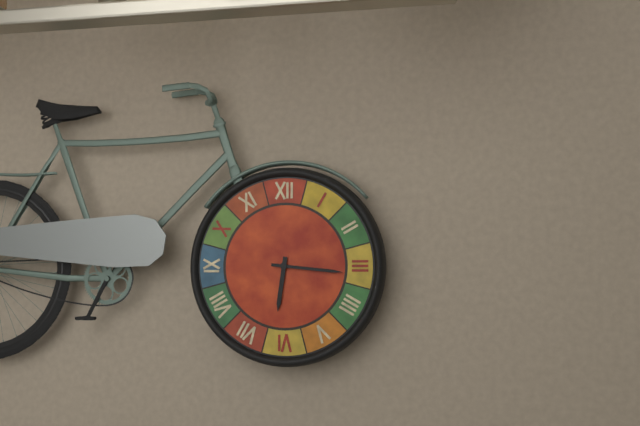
6:16
